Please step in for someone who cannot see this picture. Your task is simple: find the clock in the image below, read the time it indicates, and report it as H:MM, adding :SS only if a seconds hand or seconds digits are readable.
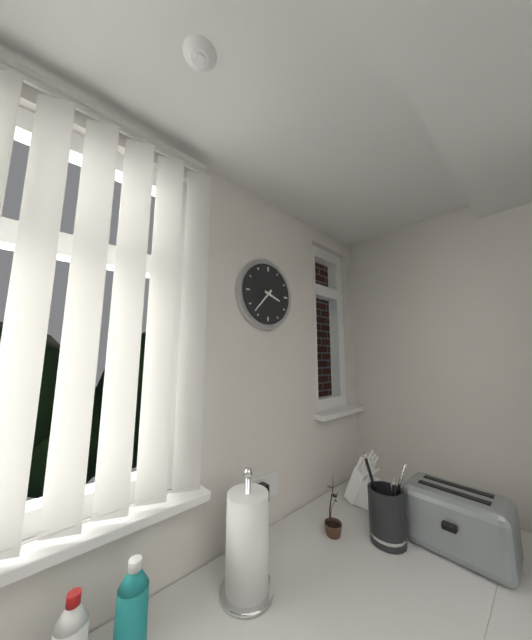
3:37
